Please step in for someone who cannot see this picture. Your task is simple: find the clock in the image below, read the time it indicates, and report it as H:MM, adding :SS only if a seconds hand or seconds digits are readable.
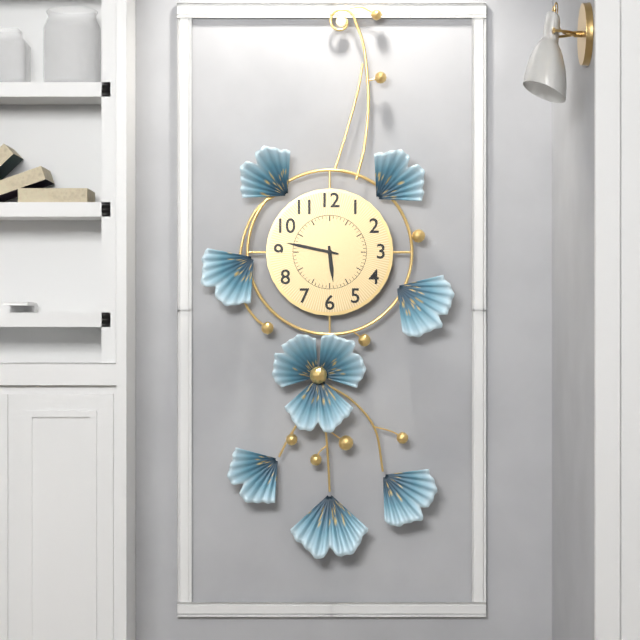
5:47
